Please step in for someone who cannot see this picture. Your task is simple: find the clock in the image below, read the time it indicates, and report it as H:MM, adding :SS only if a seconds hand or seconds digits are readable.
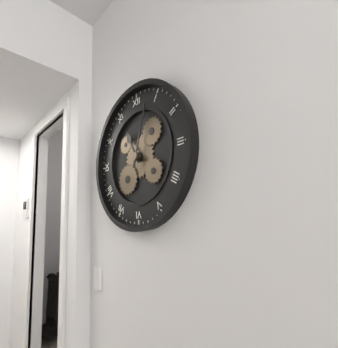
11:03
